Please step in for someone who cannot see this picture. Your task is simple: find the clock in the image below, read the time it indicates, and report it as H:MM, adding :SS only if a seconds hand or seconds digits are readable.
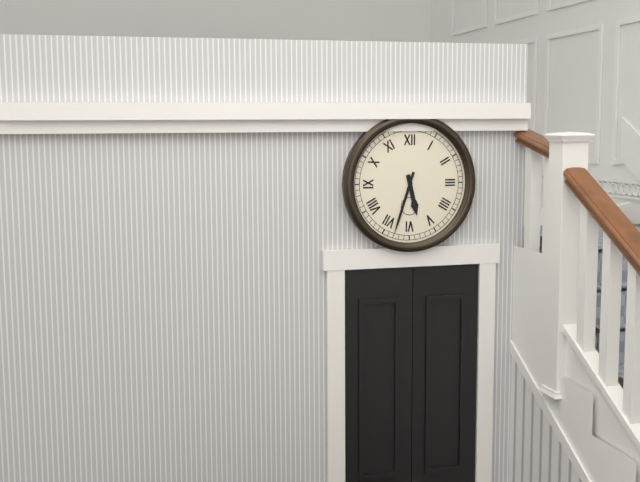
5:33
